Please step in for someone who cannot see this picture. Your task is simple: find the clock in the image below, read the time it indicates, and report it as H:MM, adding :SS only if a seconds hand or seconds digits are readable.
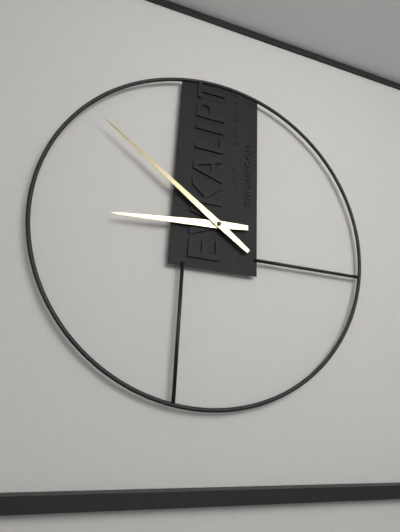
8:51
